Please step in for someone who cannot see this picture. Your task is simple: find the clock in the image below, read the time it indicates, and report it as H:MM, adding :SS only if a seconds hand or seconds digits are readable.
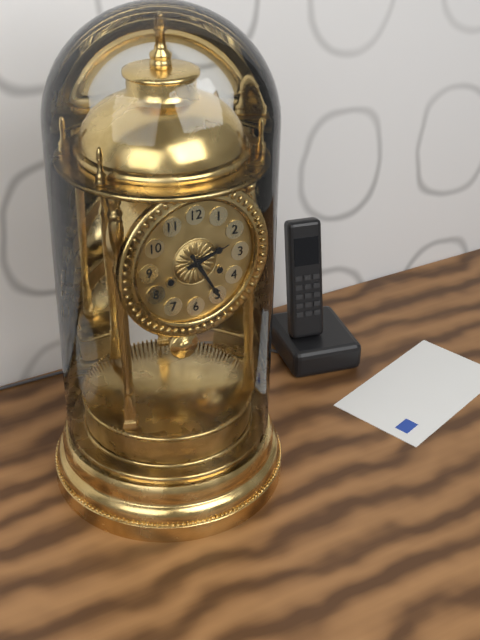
2:25
